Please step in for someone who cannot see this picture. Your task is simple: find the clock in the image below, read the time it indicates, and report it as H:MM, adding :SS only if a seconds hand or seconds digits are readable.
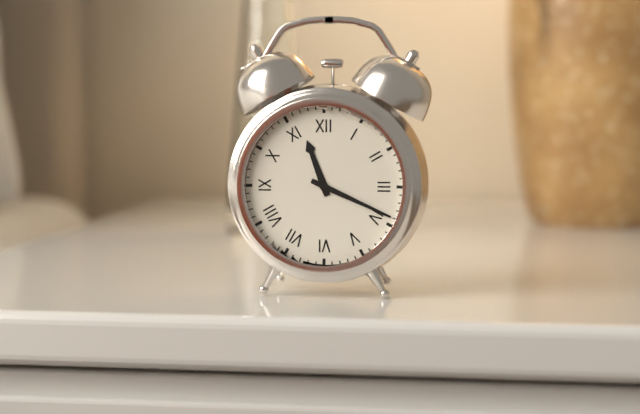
11:19
